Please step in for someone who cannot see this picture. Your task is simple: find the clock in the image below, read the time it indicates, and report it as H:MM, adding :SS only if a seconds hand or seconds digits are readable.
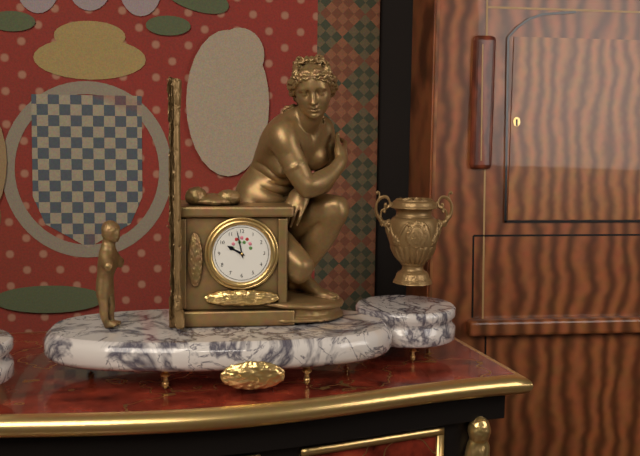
9:58
